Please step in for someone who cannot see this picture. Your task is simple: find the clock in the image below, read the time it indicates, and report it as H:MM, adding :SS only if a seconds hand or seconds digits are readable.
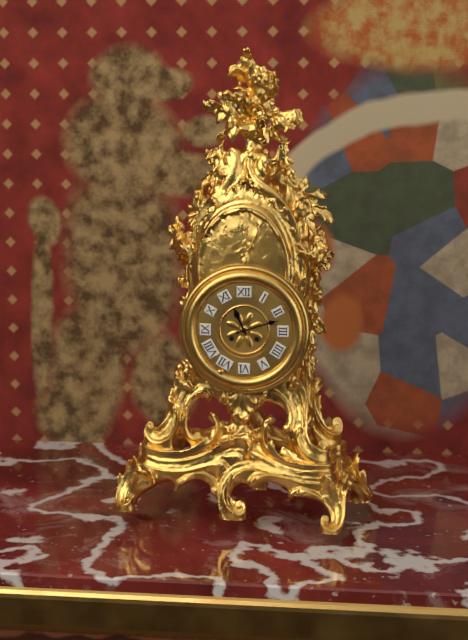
11:12
